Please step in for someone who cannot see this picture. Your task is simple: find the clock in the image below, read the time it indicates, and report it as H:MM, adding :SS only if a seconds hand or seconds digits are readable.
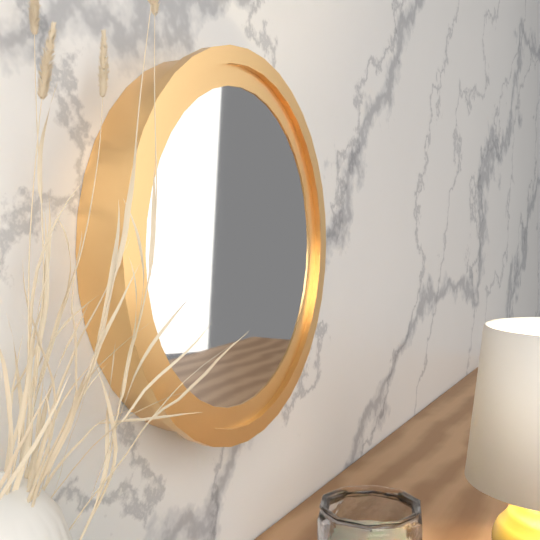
1:15:01
